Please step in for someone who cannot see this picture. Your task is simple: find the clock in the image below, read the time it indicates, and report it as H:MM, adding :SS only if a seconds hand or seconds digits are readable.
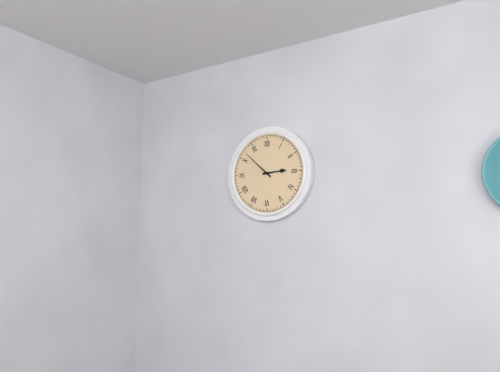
2:52
